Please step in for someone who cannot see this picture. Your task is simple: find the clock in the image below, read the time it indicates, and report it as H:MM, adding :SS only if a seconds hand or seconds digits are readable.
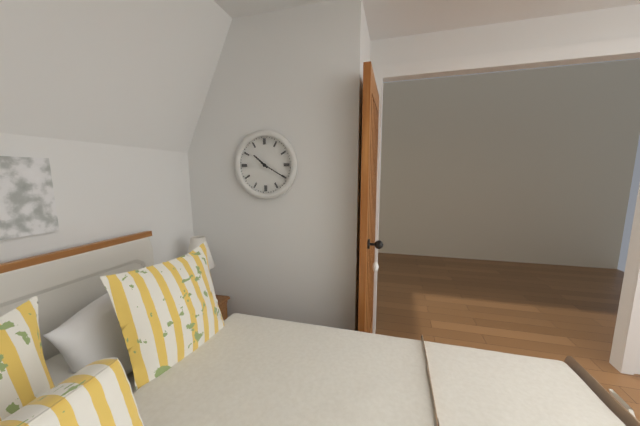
10:20
